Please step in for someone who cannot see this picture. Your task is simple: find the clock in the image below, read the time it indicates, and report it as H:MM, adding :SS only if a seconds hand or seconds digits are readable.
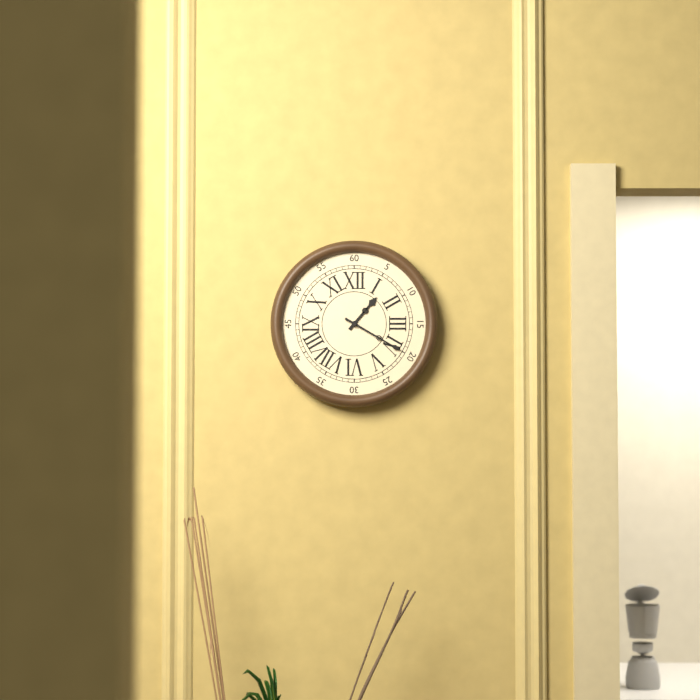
1:20
